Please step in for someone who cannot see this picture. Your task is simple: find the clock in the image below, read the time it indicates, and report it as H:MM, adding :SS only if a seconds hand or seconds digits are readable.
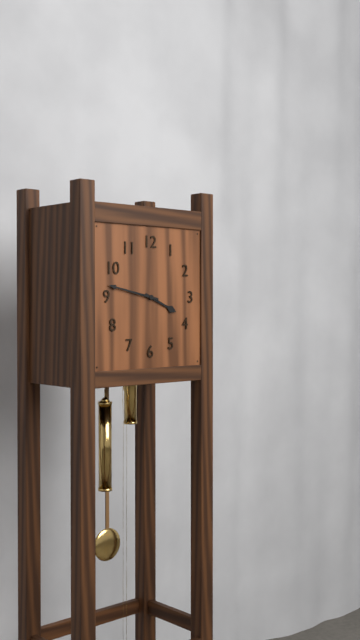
3:47
